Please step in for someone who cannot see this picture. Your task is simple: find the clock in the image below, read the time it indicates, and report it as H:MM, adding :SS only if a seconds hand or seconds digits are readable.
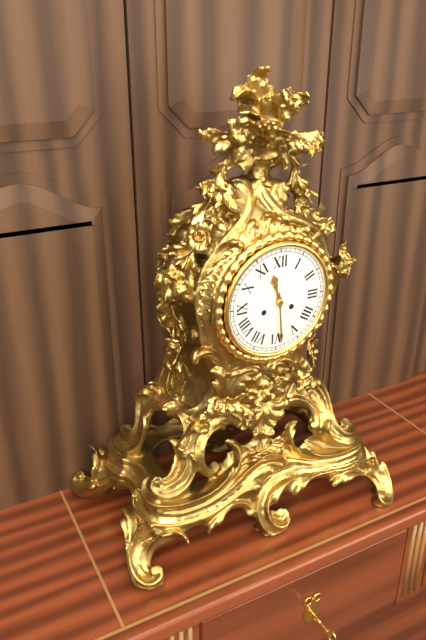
11:29
